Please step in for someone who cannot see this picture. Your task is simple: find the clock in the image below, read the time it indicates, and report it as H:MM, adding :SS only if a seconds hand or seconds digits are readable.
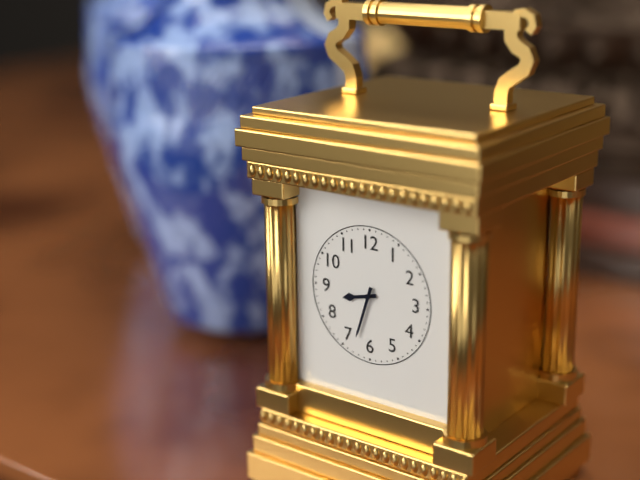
8:33
